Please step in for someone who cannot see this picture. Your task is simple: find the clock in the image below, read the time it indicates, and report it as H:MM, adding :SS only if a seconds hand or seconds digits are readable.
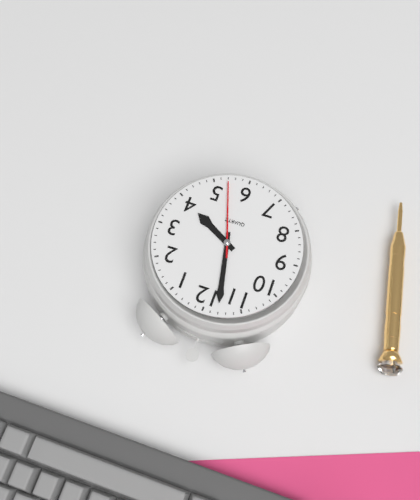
3:58:27
